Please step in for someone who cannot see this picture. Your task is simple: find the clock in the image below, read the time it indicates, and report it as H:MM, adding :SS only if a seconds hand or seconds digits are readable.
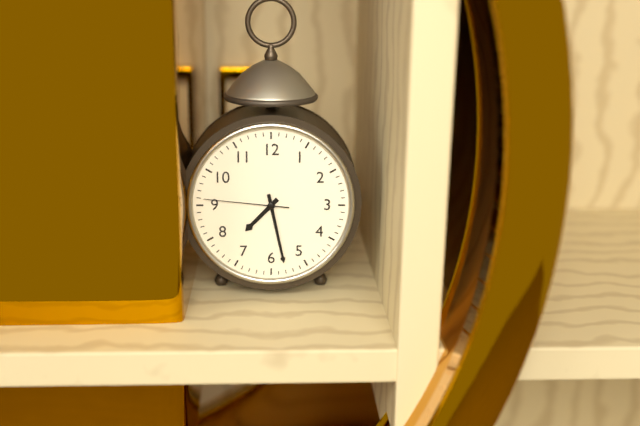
7:28:46
